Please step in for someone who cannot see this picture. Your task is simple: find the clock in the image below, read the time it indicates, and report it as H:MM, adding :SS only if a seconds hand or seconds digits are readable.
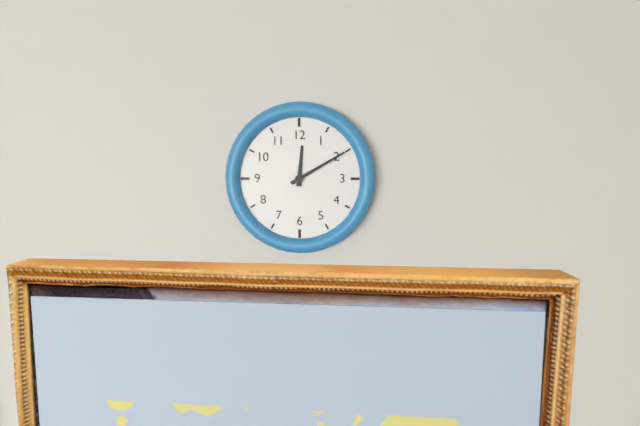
12:10
